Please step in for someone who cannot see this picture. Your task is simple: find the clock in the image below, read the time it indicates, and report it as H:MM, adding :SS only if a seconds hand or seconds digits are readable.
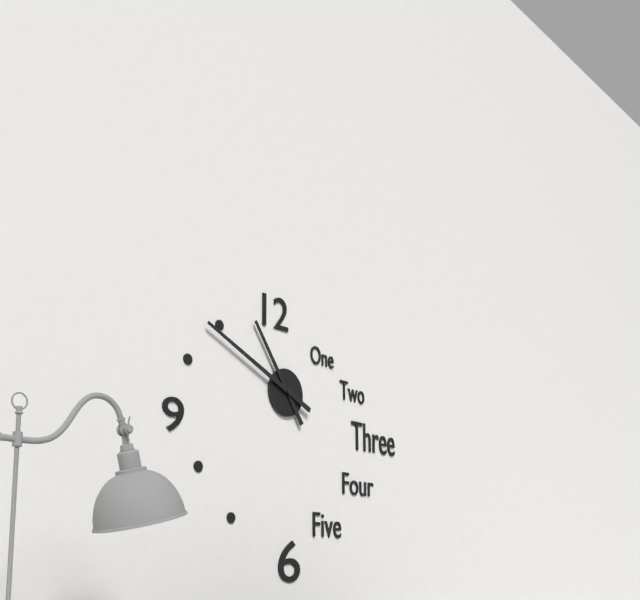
10:49
